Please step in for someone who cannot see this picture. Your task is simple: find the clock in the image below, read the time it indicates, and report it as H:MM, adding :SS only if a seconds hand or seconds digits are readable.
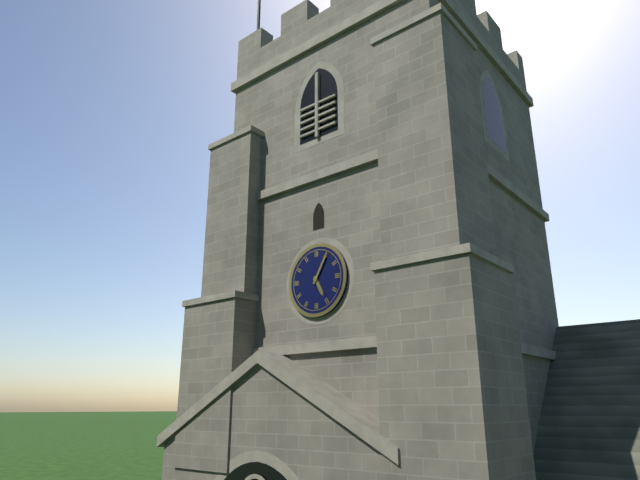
5:05
